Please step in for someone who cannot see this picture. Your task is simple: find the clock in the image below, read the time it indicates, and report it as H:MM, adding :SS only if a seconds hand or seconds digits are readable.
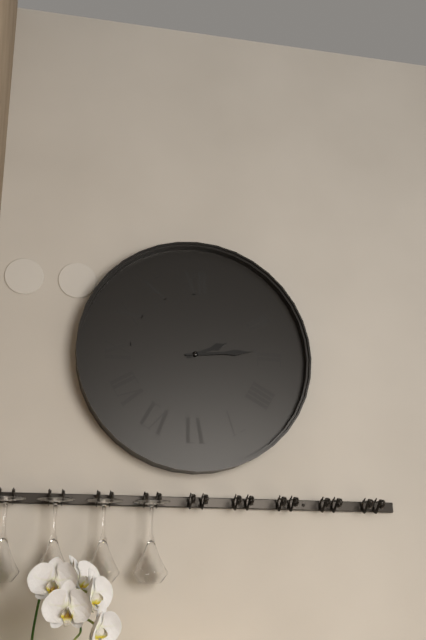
2:14
